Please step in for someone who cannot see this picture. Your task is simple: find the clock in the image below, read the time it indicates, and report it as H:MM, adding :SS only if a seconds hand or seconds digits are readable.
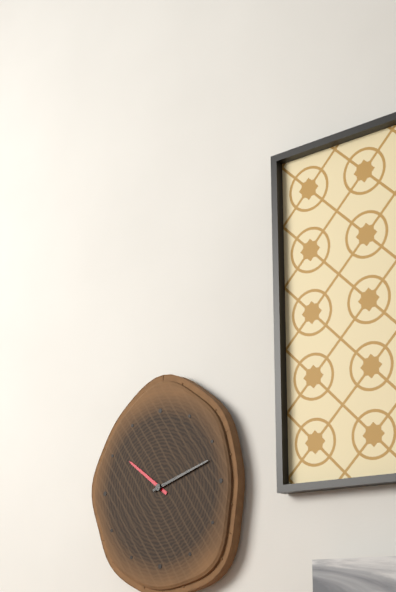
10:12
